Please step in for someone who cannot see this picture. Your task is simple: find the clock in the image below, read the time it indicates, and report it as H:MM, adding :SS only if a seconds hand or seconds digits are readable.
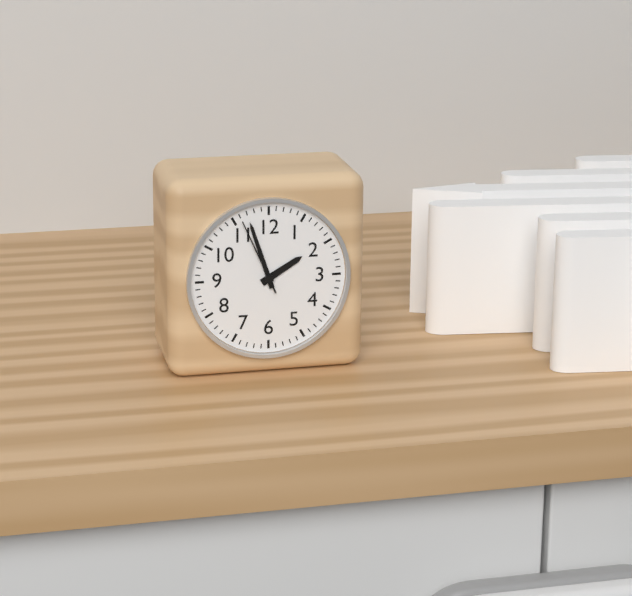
1:57:56
